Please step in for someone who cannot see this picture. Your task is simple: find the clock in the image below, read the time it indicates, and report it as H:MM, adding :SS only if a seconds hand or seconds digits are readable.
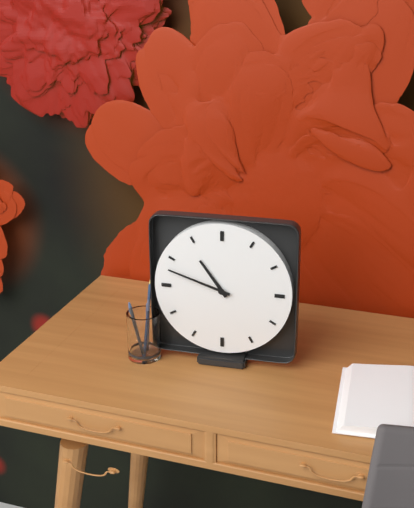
10:48
